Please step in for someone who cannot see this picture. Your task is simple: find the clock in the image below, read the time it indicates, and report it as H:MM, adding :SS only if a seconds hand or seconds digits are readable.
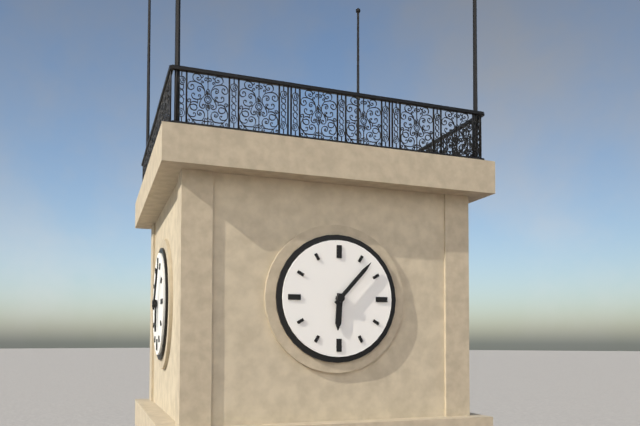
6:07
